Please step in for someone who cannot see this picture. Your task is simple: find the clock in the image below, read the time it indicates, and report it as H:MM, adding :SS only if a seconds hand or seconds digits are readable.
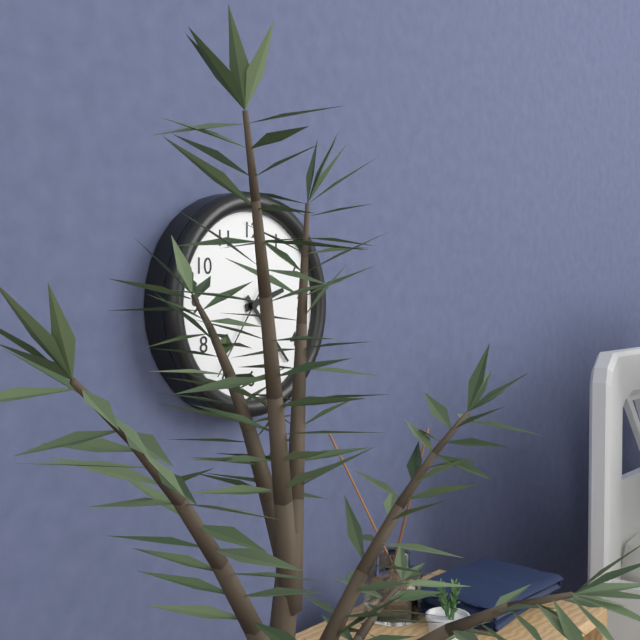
2:23:36
